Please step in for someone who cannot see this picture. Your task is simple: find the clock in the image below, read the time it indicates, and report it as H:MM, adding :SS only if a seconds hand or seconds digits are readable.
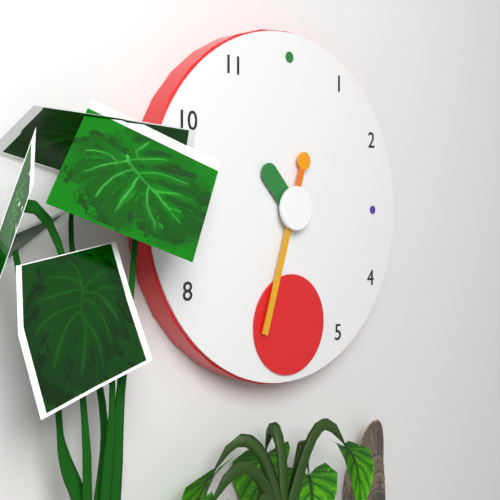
10:33
